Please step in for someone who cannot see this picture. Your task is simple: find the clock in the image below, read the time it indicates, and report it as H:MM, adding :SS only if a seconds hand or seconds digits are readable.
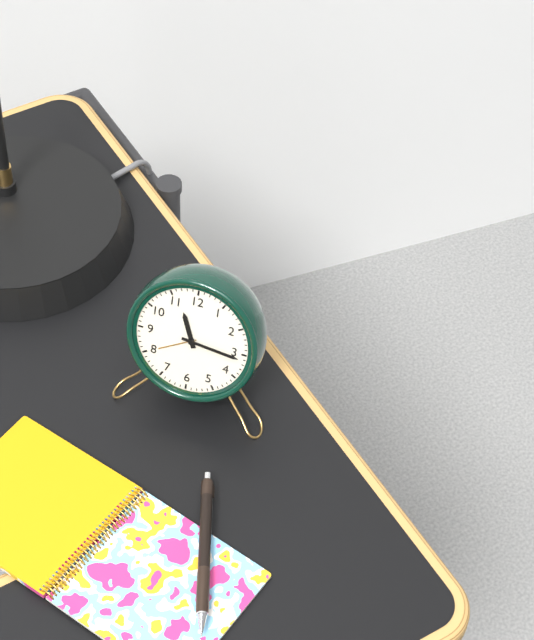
11:16
